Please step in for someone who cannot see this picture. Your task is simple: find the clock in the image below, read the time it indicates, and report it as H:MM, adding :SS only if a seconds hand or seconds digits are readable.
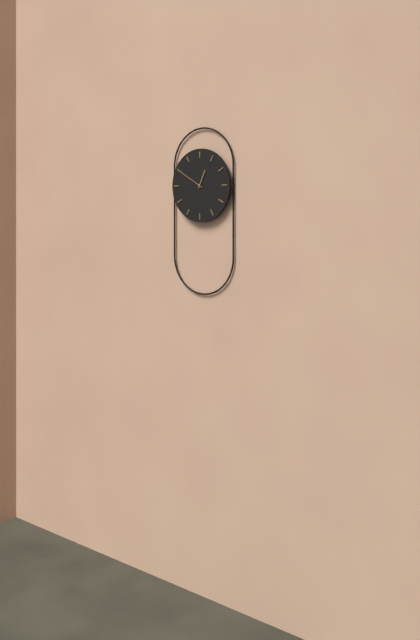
12:50
